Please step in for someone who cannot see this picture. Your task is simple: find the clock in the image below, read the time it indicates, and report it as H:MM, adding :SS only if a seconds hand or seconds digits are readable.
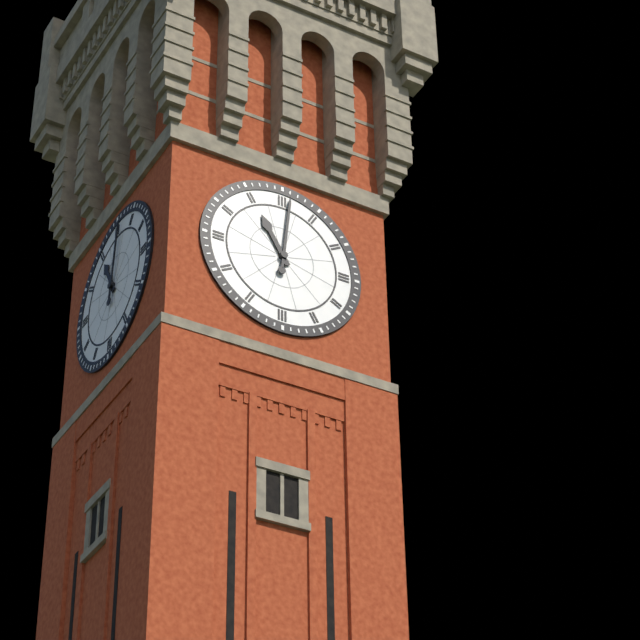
11:01
